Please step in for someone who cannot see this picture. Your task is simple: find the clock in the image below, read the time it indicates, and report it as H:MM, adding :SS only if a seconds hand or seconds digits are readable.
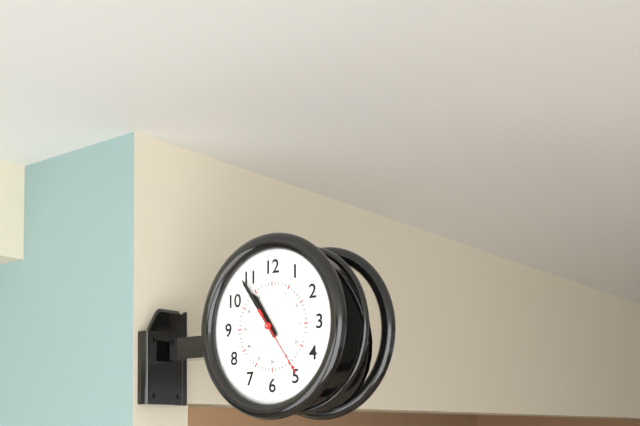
10:54:24
